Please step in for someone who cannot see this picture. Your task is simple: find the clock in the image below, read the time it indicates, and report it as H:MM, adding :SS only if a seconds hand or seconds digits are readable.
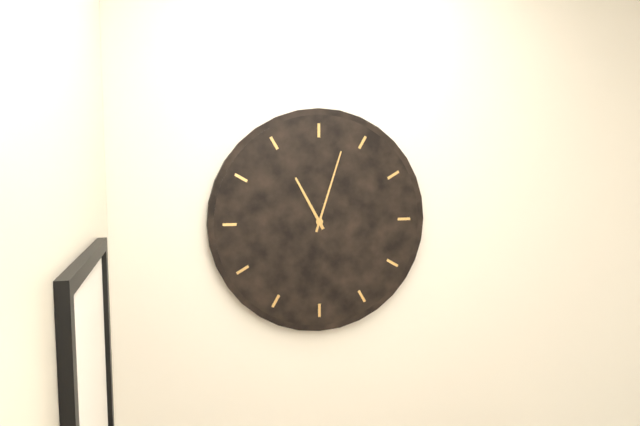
11:03
